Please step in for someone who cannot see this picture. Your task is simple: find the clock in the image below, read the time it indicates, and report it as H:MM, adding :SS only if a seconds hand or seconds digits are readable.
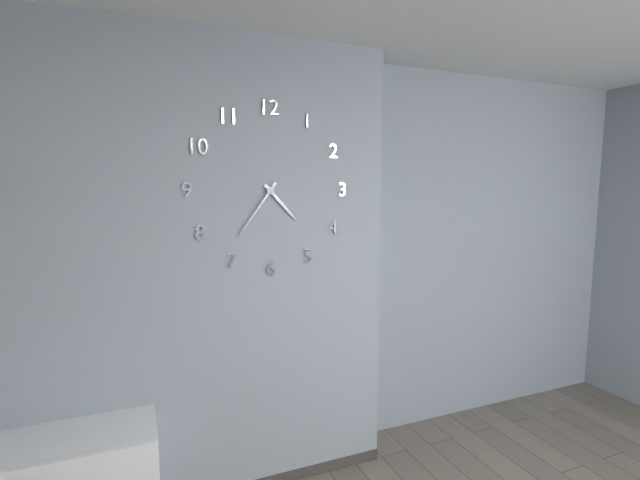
4:36
